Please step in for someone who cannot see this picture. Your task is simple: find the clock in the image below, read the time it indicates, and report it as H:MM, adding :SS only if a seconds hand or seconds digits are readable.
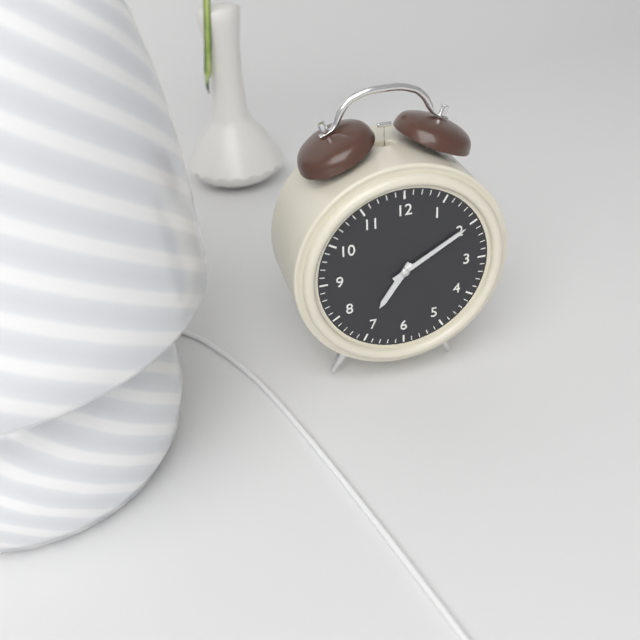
7:10
